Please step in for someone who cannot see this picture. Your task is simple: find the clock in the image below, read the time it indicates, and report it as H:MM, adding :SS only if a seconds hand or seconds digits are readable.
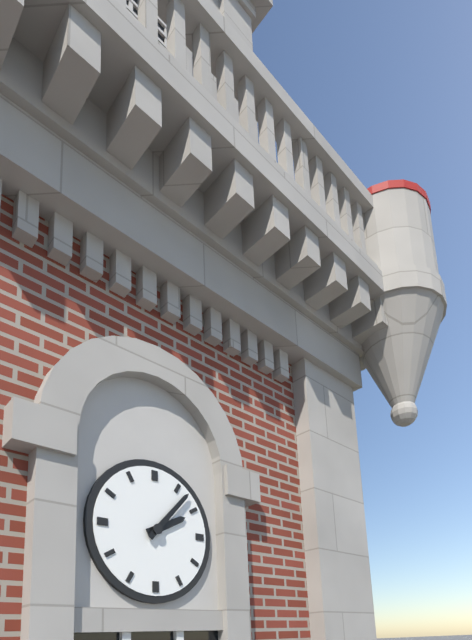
2:07
